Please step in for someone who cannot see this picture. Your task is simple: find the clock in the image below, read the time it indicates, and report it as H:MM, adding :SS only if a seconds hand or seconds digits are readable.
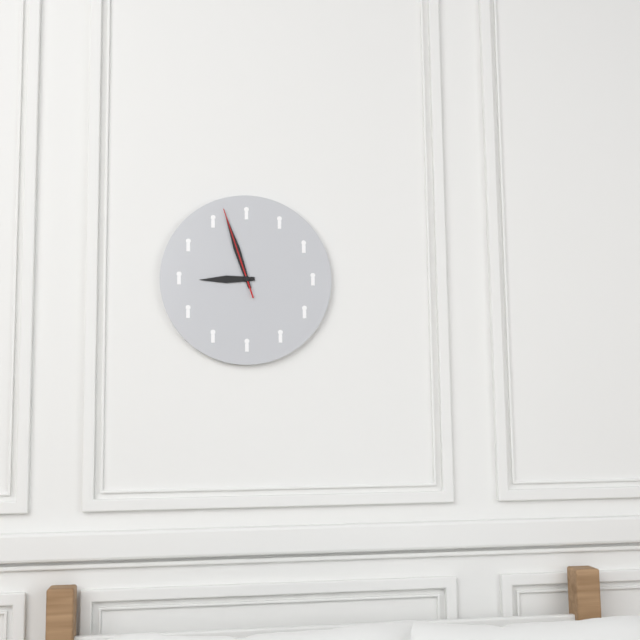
8:57:57
